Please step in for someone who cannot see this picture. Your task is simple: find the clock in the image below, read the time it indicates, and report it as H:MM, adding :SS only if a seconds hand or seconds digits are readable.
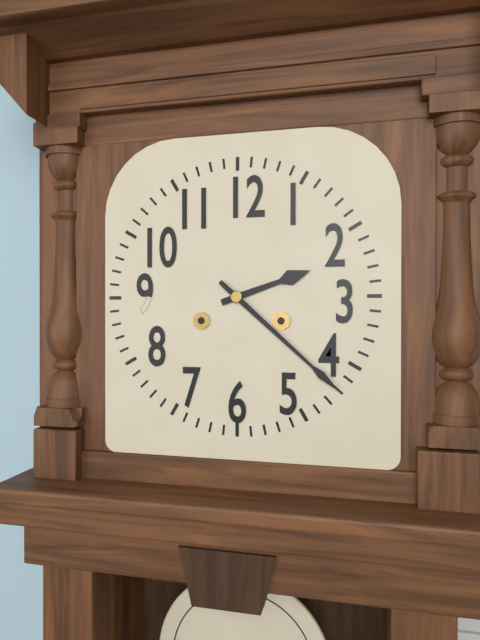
2:22
